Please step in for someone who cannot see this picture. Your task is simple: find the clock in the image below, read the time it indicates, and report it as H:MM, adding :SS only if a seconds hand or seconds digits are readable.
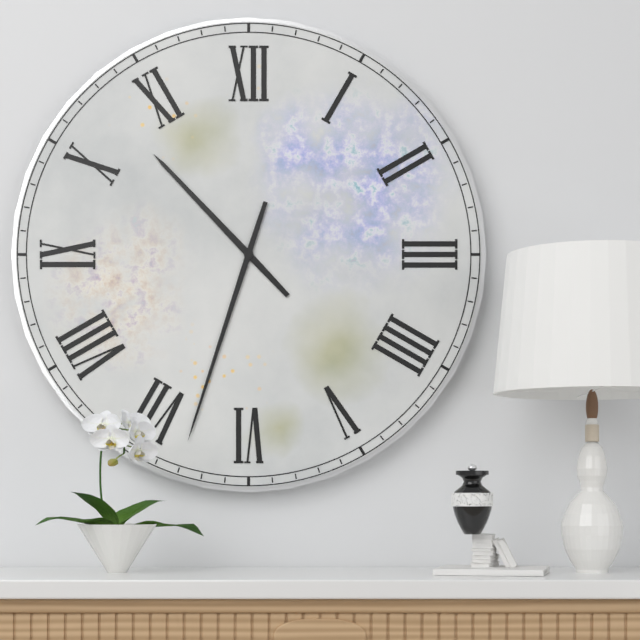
10:33
